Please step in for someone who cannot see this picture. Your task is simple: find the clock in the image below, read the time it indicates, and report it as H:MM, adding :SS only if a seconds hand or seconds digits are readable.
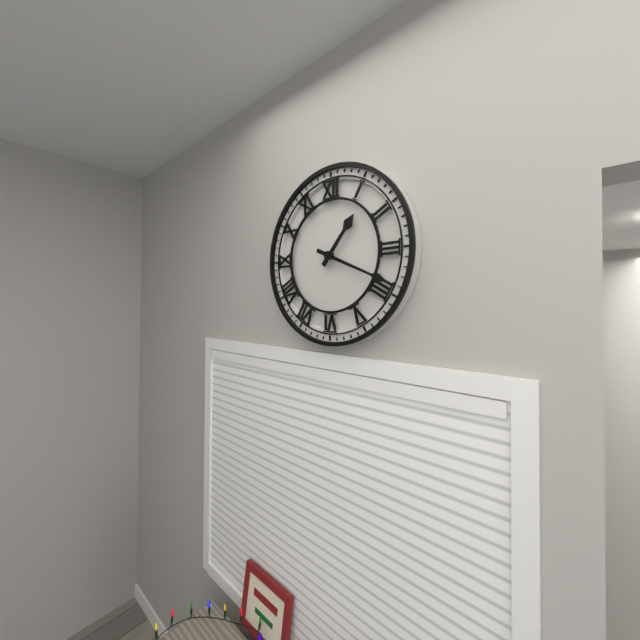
1:19
